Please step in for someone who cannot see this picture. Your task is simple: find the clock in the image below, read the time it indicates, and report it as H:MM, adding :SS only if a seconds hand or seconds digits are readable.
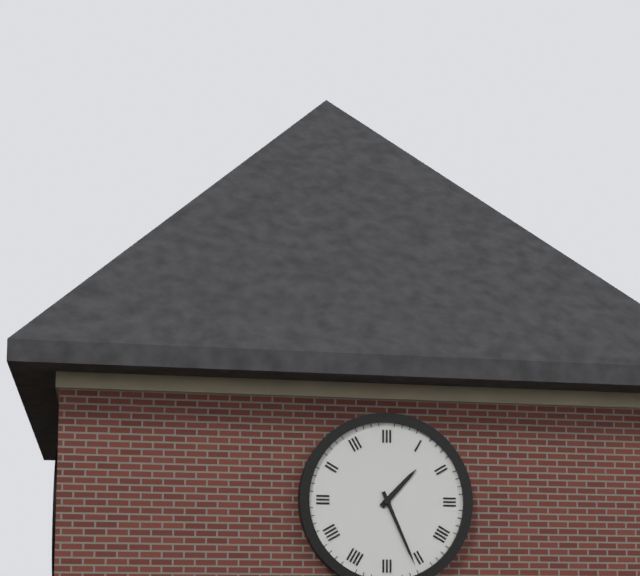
1:26
